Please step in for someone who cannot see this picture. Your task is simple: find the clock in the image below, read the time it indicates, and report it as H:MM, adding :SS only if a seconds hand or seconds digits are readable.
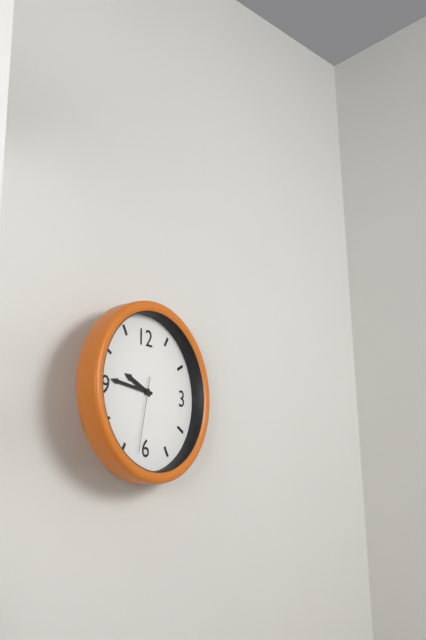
9:46:32
